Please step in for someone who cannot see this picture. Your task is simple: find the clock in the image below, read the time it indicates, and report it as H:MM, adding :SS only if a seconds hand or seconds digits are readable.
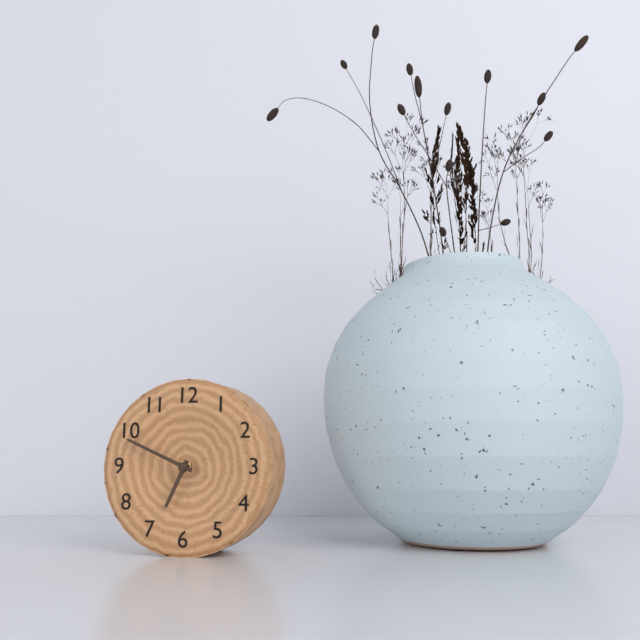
6:49
